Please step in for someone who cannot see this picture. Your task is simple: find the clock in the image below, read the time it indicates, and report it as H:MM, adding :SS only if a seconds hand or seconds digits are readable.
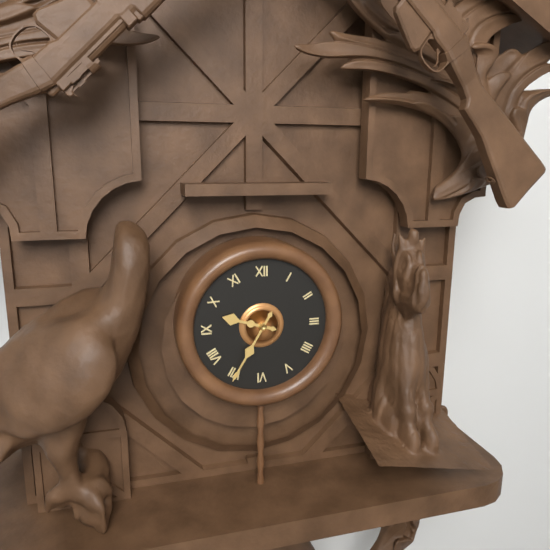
9:35
